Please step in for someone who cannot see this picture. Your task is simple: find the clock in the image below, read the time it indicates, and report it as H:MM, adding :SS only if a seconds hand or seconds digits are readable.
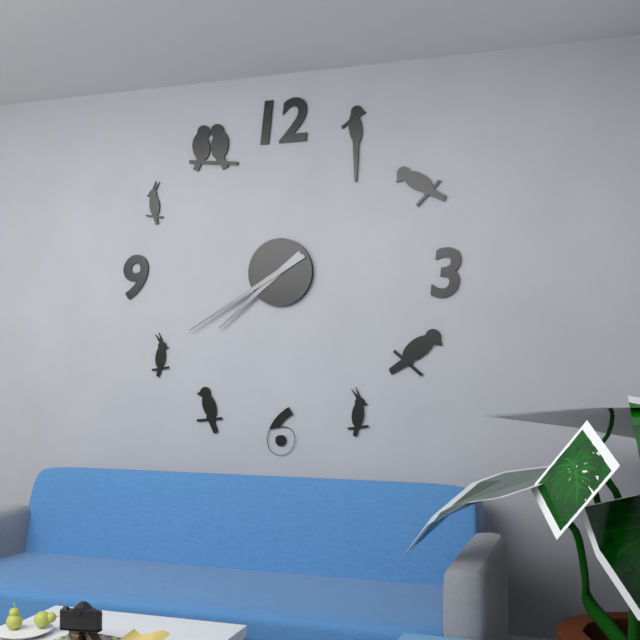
7:40
